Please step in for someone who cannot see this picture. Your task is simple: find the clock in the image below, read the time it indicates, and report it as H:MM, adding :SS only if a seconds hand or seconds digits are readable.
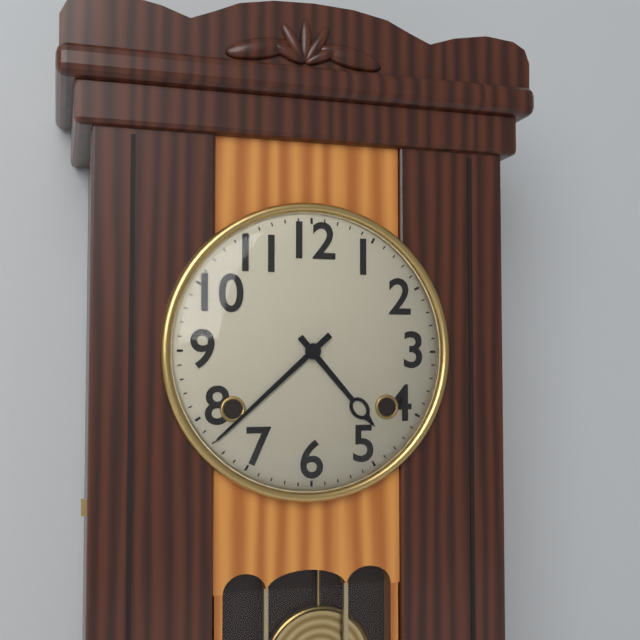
4:38
